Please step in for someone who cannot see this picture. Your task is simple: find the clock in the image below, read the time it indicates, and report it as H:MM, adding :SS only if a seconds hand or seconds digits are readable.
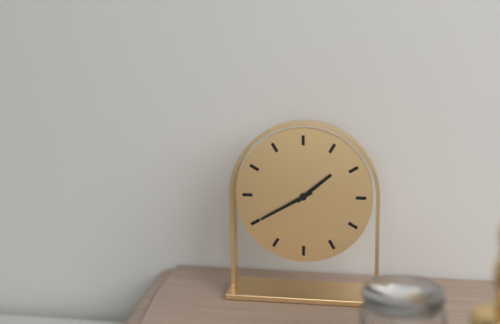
1:40
